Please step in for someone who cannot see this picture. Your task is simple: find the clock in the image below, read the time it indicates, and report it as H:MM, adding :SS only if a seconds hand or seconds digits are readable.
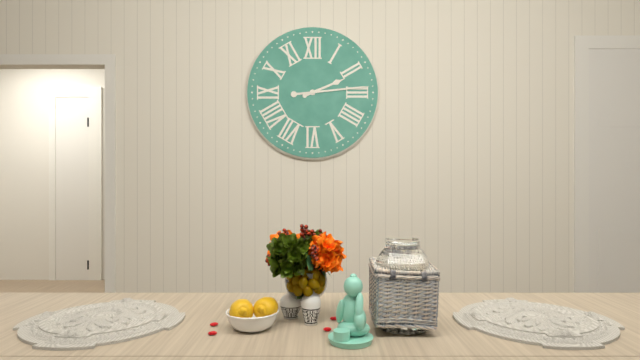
2:14
